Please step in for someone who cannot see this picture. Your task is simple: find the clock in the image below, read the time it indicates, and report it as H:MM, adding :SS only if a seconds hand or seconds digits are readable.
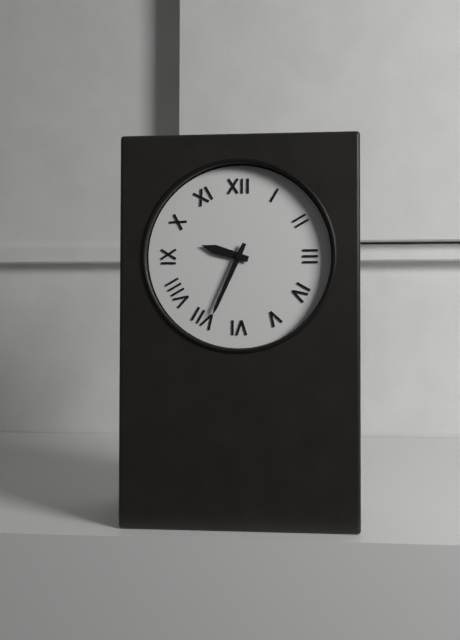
9:34
